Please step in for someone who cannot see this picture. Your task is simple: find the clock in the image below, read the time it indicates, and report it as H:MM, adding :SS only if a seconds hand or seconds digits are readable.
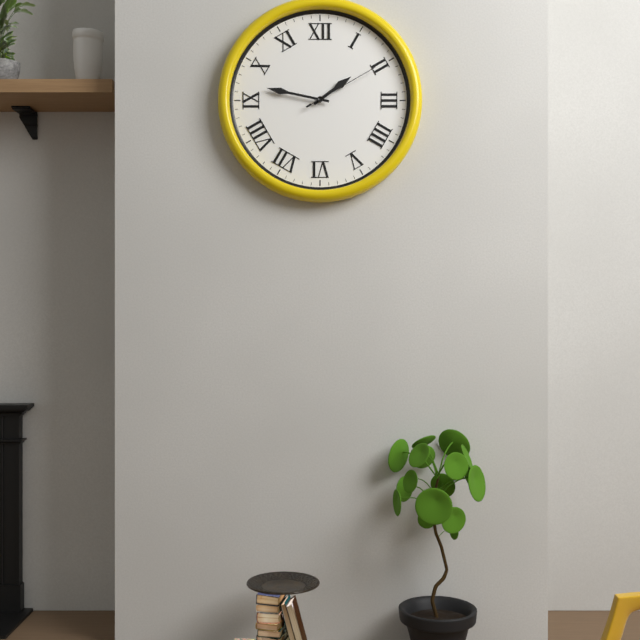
1:47:10
